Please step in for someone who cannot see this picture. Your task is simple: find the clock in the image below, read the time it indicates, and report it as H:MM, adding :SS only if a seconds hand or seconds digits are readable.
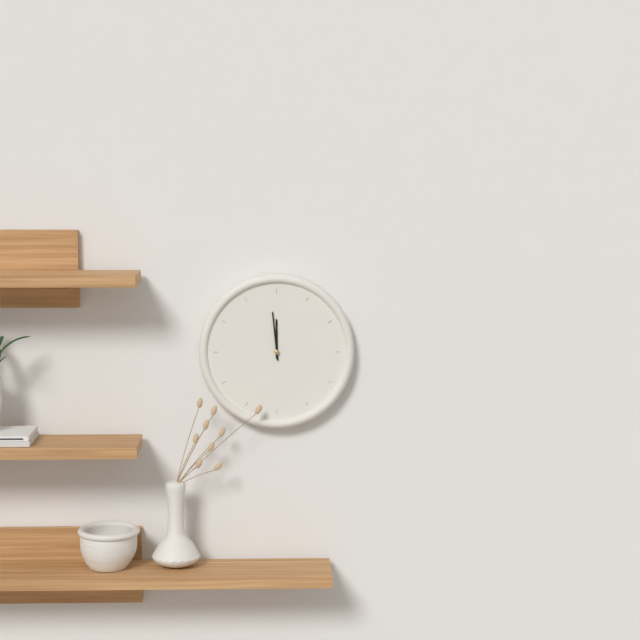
11:59
